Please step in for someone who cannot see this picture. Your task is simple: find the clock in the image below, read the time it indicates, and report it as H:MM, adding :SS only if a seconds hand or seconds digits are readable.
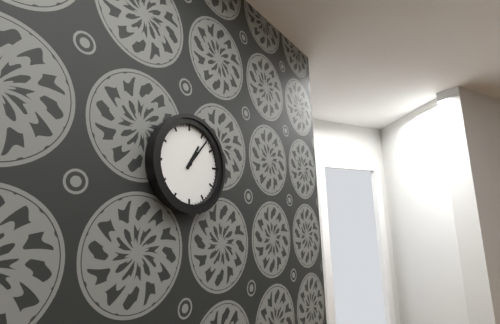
1:07
